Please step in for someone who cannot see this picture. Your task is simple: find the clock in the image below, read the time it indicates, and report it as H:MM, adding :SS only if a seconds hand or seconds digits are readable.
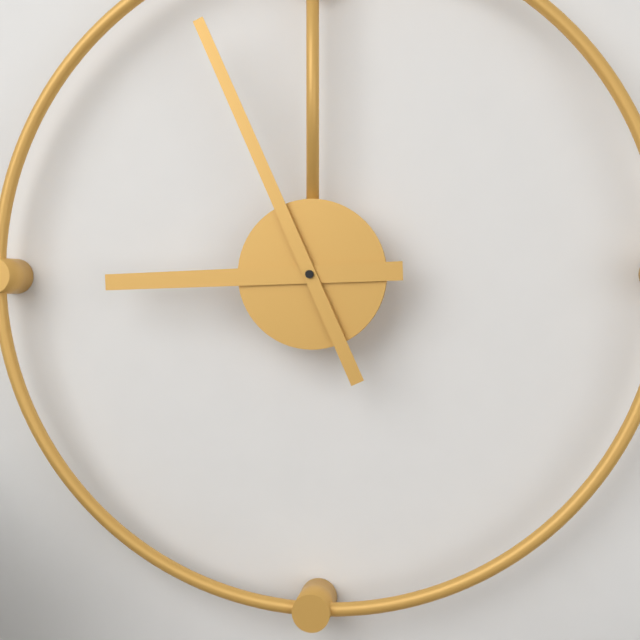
8:56
